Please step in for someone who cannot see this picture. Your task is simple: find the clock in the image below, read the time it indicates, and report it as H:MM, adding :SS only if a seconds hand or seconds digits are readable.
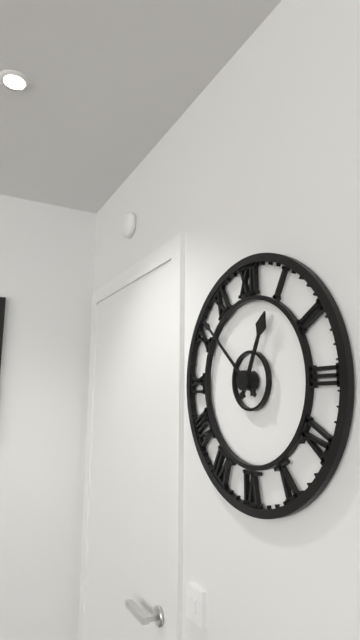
12:52
